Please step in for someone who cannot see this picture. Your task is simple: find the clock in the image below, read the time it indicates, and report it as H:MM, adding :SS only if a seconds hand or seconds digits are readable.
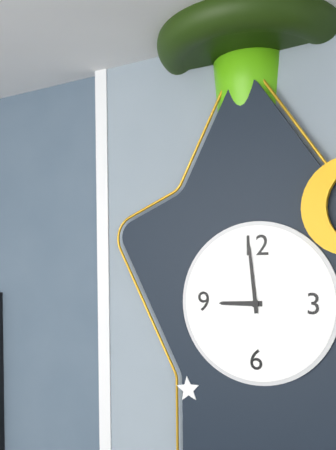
8:59
